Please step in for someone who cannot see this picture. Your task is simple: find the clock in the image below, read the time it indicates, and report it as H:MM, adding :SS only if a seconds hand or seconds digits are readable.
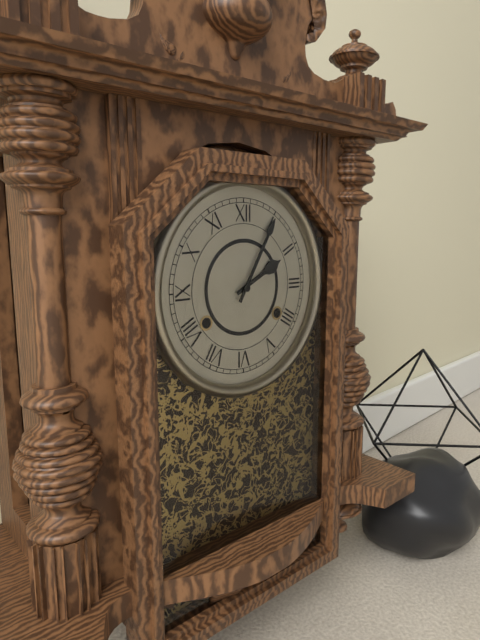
2:05
